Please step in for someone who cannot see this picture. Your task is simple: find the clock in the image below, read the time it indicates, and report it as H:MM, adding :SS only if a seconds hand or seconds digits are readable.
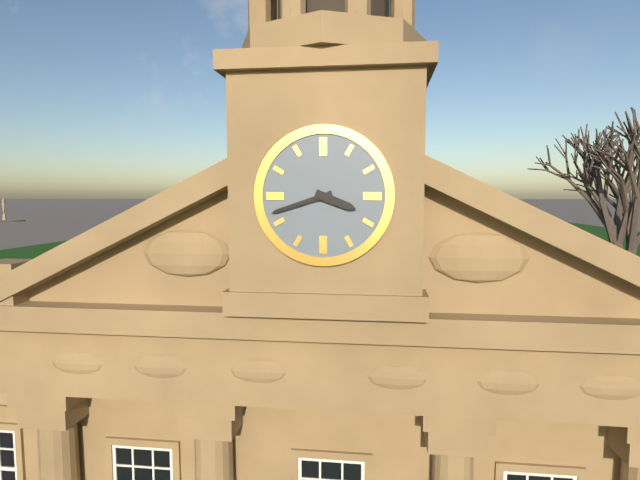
3:42
